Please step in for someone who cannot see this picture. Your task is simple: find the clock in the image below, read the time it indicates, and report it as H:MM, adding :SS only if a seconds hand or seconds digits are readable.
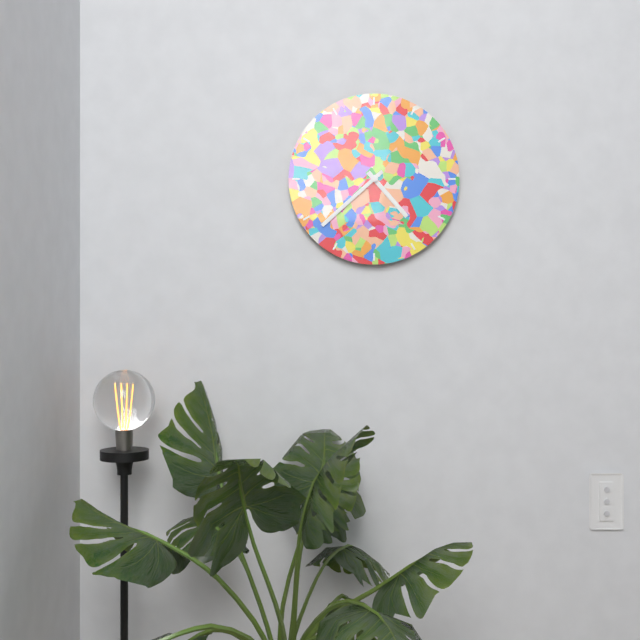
4:38
